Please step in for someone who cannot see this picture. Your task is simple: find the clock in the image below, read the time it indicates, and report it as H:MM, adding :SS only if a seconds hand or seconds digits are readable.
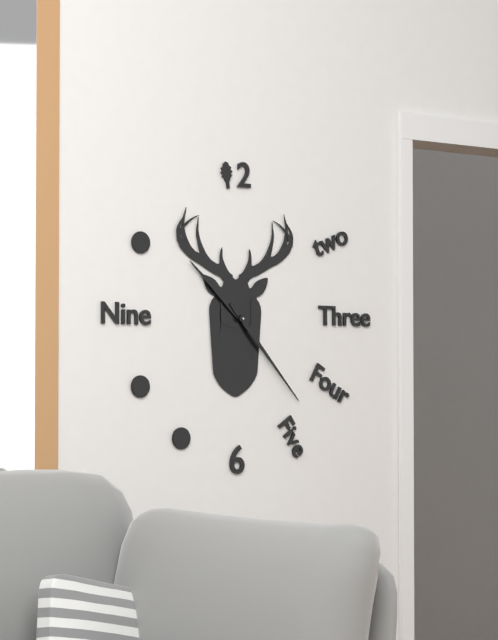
10:23
